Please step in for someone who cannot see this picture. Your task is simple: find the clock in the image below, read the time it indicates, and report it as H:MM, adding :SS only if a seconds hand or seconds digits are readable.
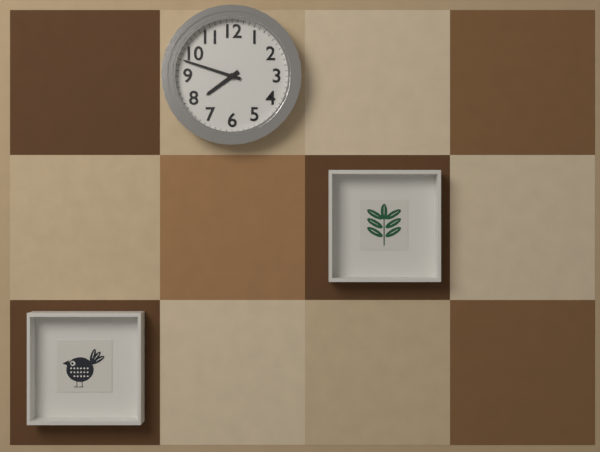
7:48
